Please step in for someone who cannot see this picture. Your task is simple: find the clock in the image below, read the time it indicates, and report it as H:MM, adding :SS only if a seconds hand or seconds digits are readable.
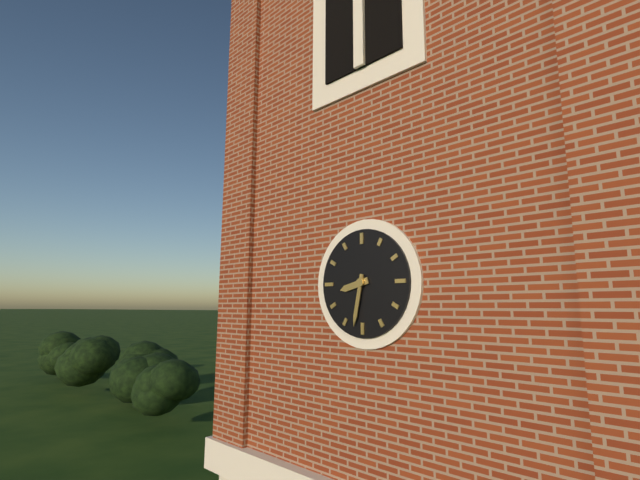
8:32
